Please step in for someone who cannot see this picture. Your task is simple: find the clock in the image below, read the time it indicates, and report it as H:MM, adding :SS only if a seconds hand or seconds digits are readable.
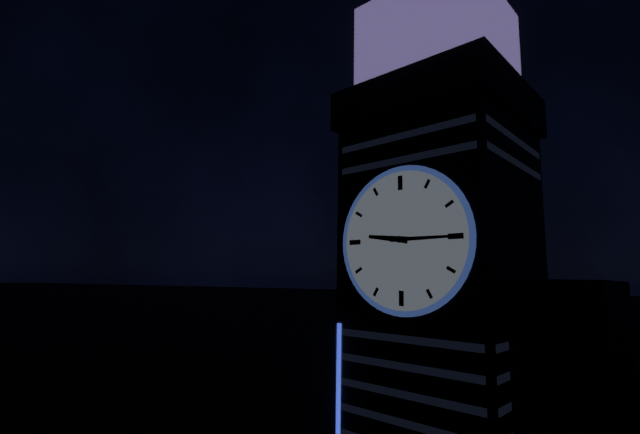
9:15
